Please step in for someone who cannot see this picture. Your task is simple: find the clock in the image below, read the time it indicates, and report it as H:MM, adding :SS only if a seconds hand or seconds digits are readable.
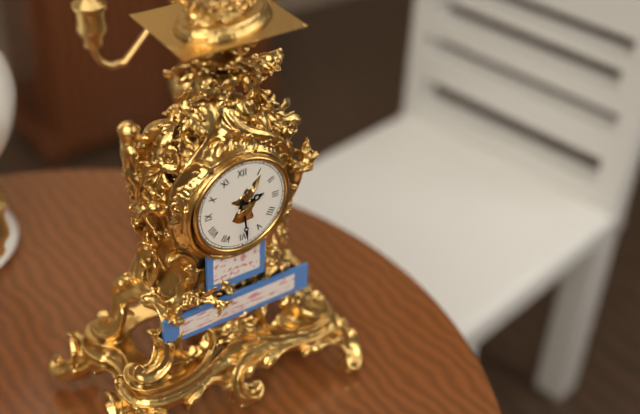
2:29
